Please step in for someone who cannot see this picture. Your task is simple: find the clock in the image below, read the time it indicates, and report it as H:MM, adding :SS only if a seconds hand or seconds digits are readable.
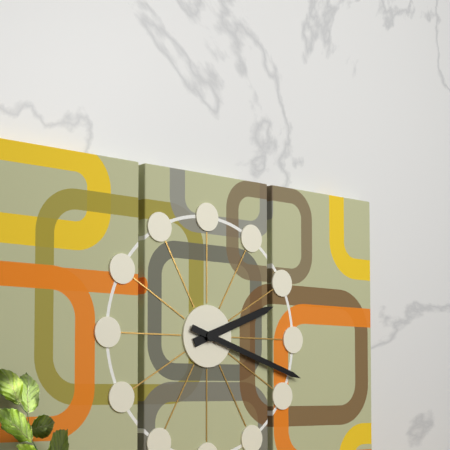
2:18
